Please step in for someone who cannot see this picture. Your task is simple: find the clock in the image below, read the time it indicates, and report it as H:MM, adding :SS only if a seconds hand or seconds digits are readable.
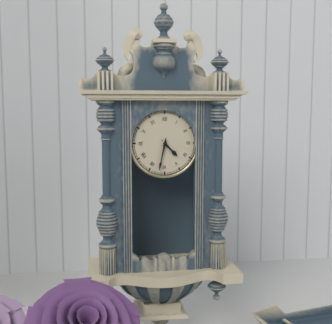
4:32
